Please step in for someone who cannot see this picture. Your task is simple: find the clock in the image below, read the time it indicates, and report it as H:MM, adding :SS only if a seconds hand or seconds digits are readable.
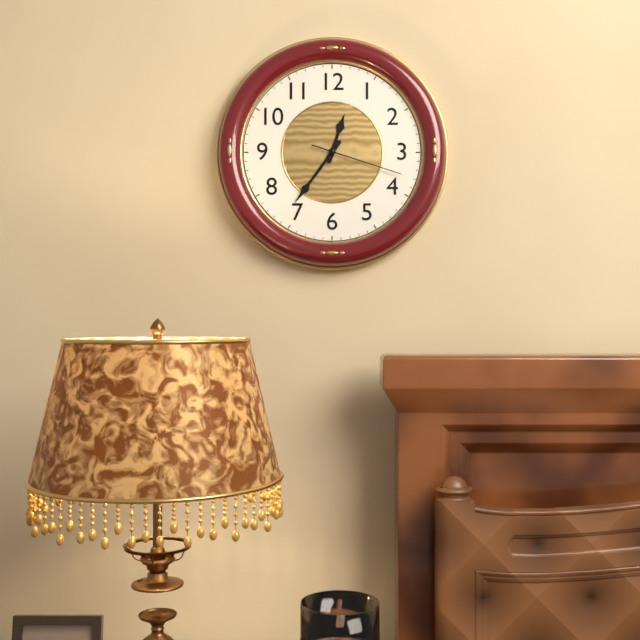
12:36:18
